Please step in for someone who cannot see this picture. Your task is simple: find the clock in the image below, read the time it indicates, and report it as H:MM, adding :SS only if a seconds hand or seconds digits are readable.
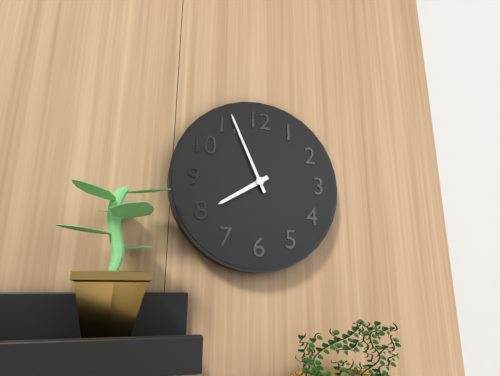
7:56
